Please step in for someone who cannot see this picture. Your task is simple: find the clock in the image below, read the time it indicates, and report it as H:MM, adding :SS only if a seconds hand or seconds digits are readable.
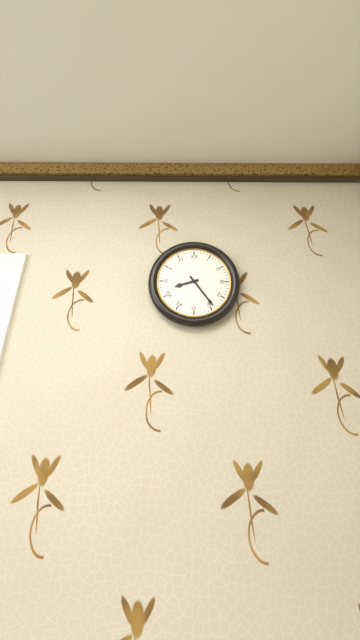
8:24
